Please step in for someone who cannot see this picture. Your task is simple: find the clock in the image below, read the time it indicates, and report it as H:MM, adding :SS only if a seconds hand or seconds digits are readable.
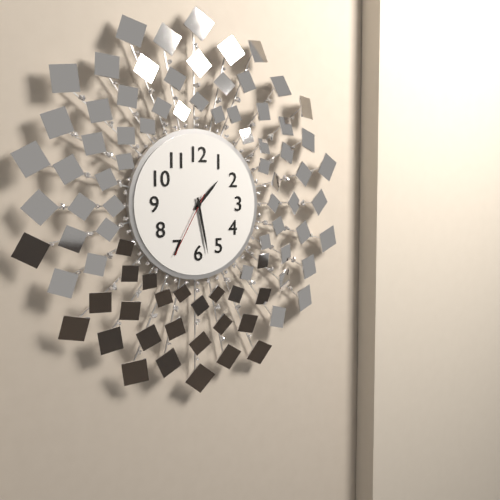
1:28:35
